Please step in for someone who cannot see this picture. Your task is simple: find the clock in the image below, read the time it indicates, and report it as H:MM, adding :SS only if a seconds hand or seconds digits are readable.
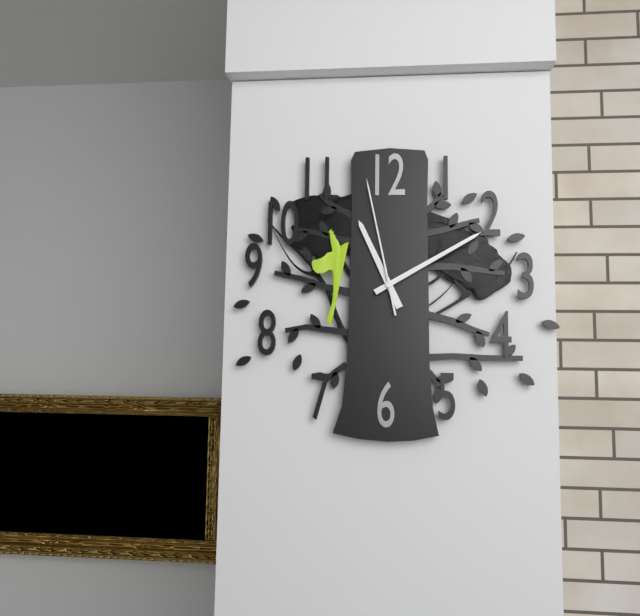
11:10:58
